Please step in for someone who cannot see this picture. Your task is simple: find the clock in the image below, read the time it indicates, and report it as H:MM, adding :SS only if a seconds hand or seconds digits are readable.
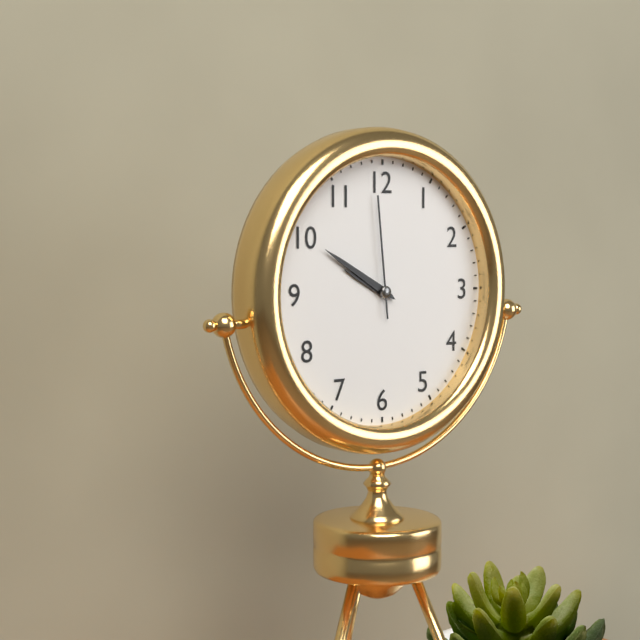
9:50:59
